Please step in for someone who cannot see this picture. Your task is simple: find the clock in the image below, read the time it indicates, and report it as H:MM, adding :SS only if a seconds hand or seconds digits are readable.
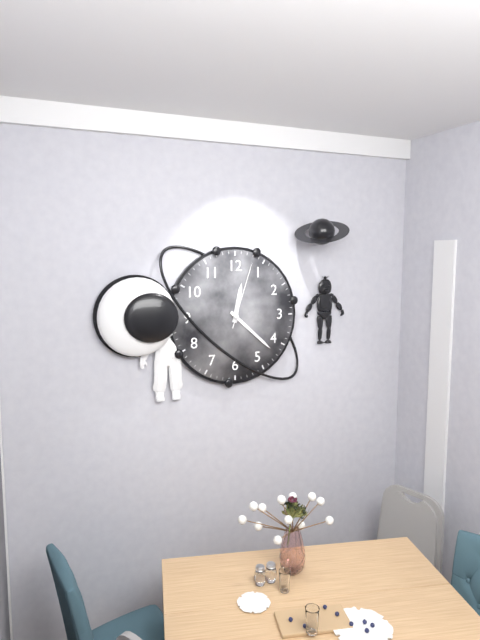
12:22:03
